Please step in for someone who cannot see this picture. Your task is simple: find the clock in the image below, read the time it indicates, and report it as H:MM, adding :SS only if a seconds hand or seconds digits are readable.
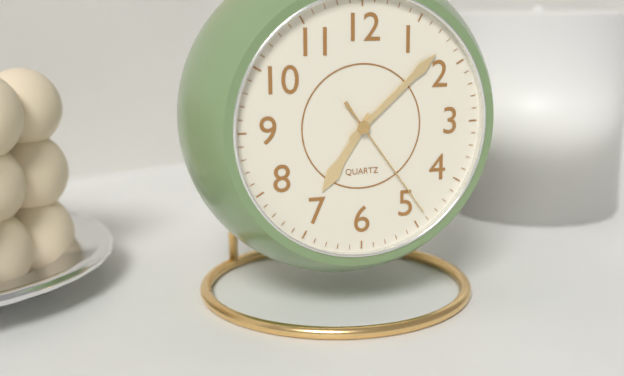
7:08:24
